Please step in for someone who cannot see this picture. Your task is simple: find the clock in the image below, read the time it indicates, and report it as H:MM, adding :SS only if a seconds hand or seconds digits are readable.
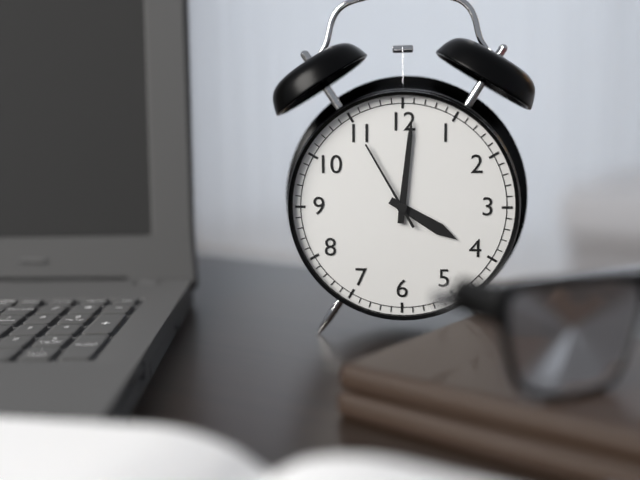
4:01:55
